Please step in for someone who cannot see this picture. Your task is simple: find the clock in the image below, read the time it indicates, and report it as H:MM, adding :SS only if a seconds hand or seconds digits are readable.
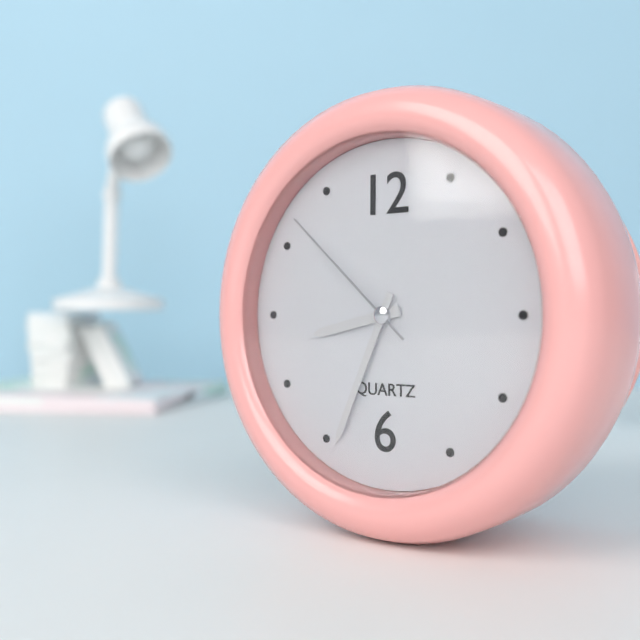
8:34:52
